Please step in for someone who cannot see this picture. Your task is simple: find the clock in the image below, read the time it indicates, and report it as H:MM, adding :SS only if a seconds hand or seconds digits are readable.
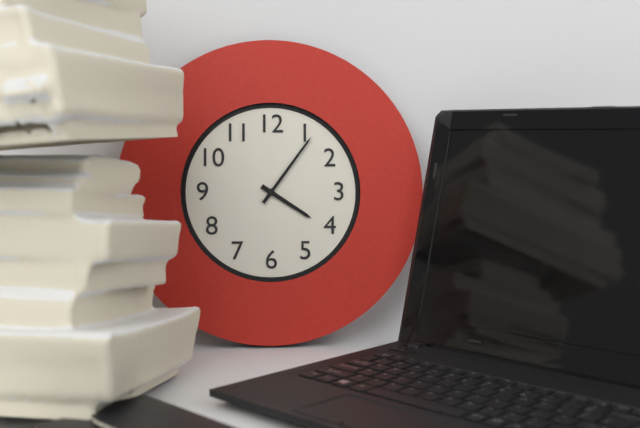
4:06
